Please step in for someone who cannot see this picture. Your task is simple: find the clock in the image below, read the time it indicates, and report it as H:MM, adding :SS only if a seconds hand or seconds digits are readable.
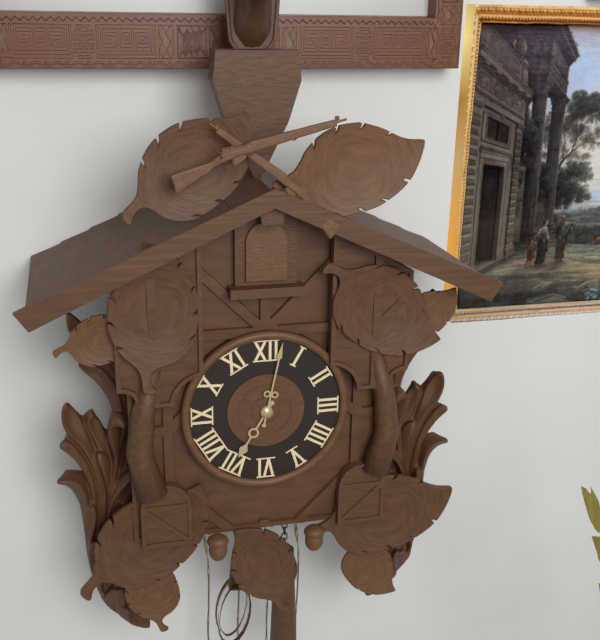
7:02
